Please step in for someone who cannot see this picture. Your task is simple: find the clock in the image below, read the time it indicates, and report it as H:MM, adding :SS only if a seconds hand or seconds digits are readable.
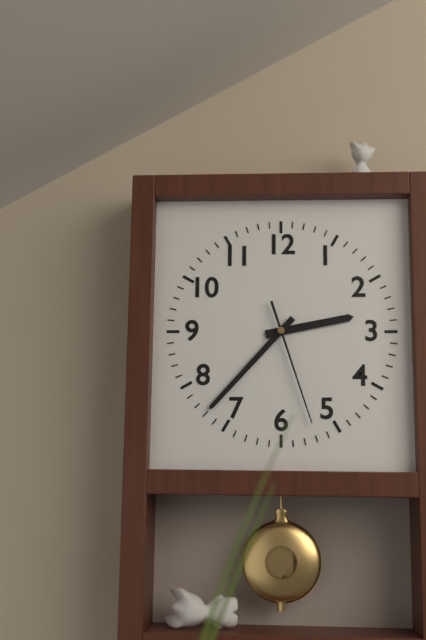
2:37:27
